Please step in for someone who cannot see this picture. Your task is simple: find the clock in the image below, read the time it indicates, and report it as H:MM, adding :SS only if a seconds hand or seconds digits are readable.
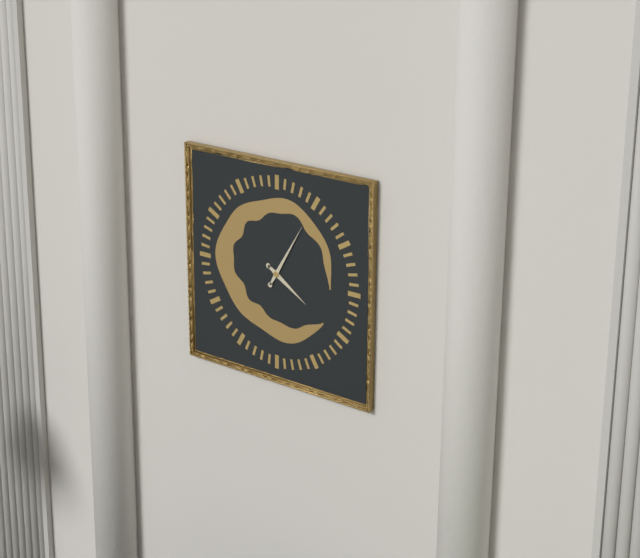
4:05
